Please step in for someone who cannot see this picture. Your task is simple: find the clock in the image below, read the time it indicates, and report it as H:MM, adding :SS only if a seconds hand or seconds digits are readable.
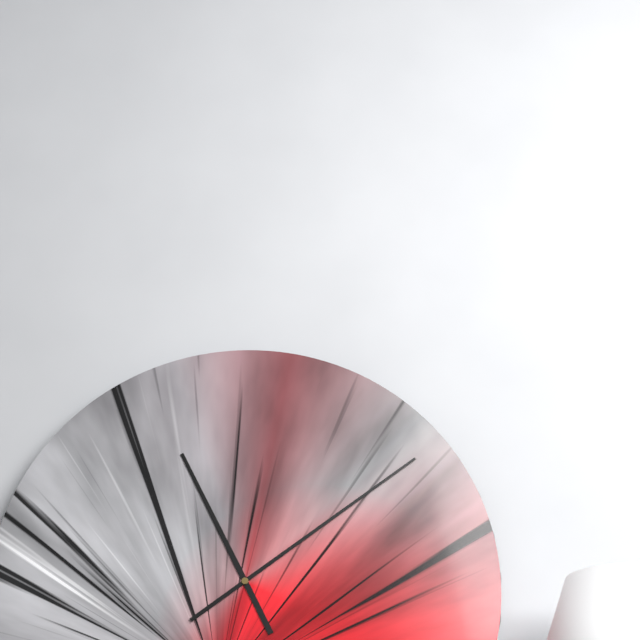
11:09
